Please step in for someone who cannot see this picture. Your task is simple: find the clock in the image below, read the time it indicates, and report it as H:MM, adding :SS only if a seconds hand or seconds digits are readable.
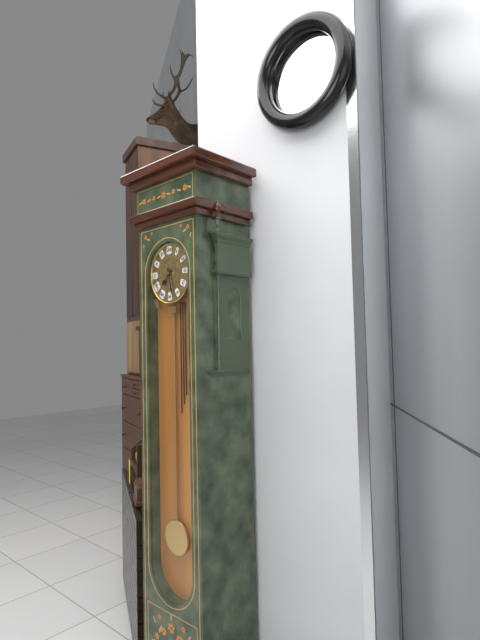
7:28
